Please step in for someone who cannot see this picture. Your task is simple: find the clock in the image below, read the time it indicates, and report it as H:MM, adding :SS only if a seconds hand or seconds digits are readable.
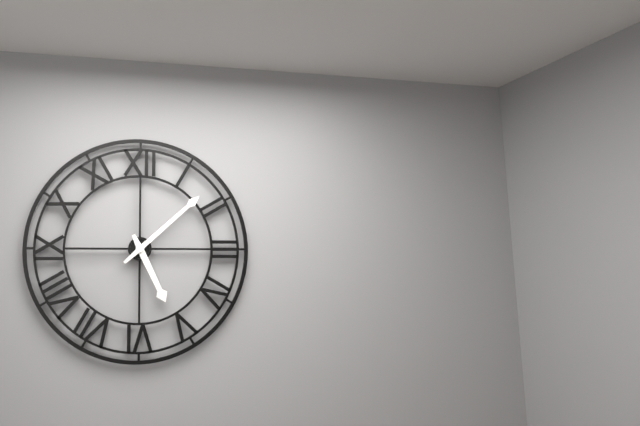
5:08
